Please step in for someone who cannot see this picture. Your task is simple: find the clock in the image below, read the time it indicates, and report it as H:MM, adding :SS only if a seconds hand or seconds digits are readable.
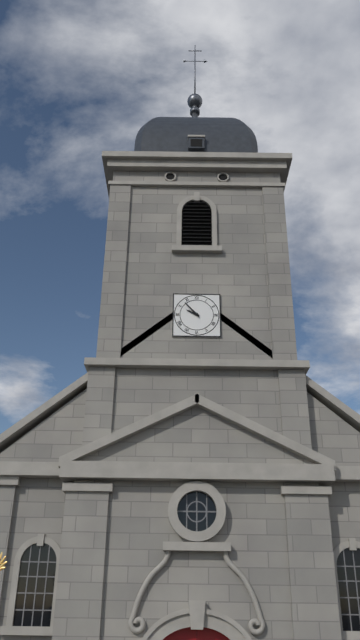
9:53
